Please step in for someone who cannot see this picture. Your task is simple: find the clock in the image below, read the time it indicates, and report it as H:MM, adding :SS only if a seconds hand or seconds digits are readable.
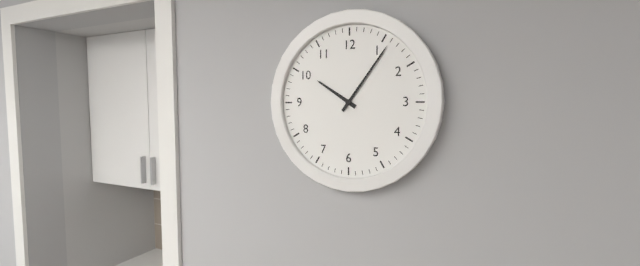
10:06
